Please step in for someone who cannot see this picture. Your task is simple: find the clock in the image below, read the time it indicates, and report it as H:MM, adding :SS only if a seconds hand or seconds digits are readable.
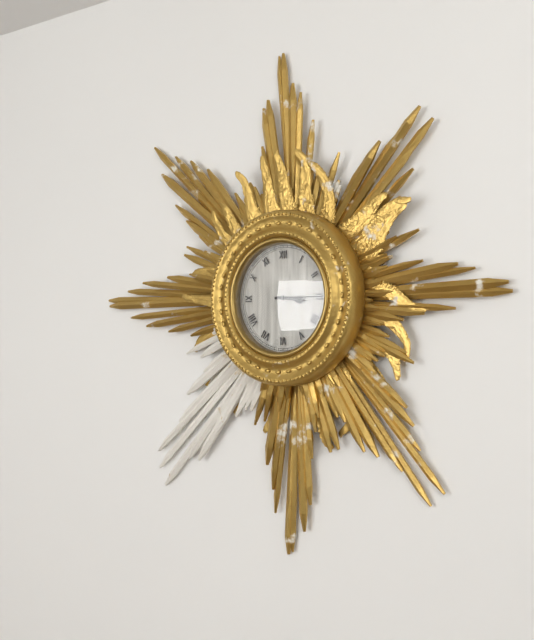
3:15
